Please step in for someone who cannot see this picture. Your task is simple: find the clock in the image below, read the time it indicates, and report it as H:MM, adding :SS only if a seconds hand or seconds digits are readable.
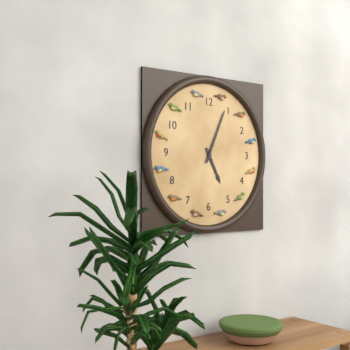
5:04
